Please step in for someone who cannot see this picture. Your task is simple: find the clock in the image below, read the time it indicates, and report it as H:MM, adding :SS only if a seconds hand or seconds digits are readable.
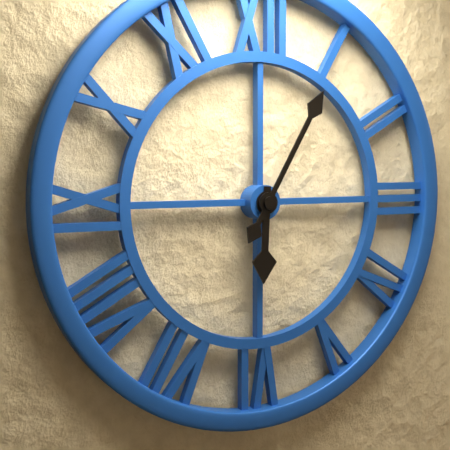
6:05
